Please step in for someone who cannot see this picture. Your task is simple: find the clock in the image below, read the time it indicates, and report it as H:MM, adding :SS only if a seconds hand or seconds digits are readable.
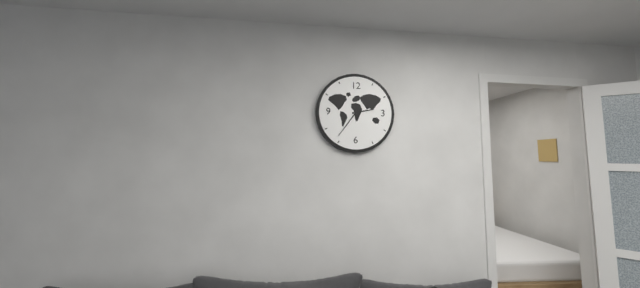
2:36
